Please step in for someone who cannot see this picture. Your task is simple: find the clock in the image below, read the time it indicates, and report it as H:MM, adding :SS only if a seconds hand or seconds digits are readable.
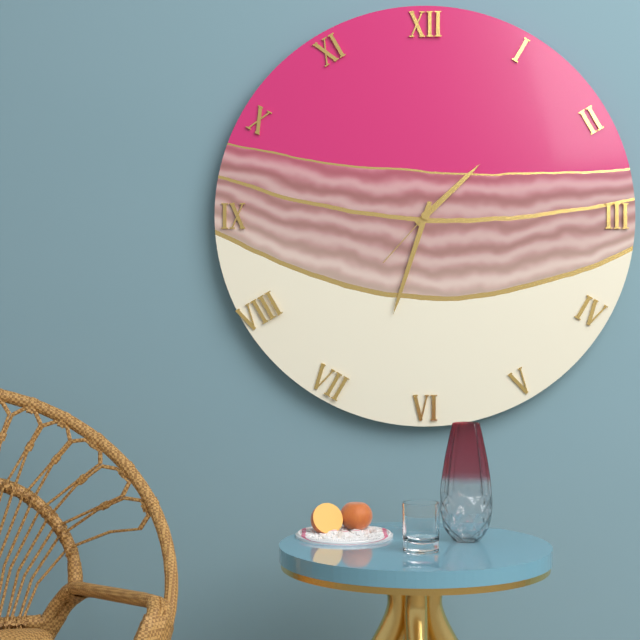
1:33:37
